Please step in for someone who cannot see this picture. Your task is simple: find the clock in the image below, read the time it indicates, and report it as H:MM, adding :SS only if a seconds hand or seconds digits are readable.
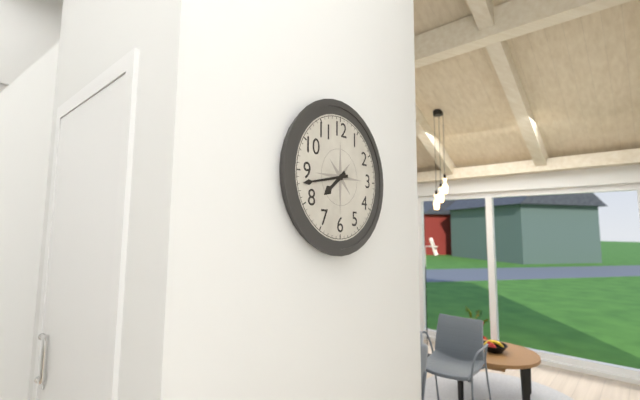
7:43
